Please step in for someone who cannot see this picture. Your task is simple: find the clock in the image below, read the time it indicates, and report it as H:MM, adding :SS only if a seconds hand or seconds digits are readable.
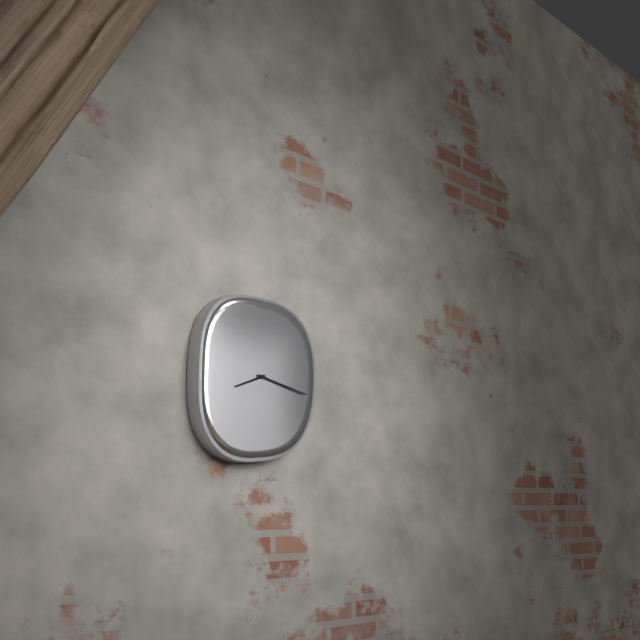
8:17
